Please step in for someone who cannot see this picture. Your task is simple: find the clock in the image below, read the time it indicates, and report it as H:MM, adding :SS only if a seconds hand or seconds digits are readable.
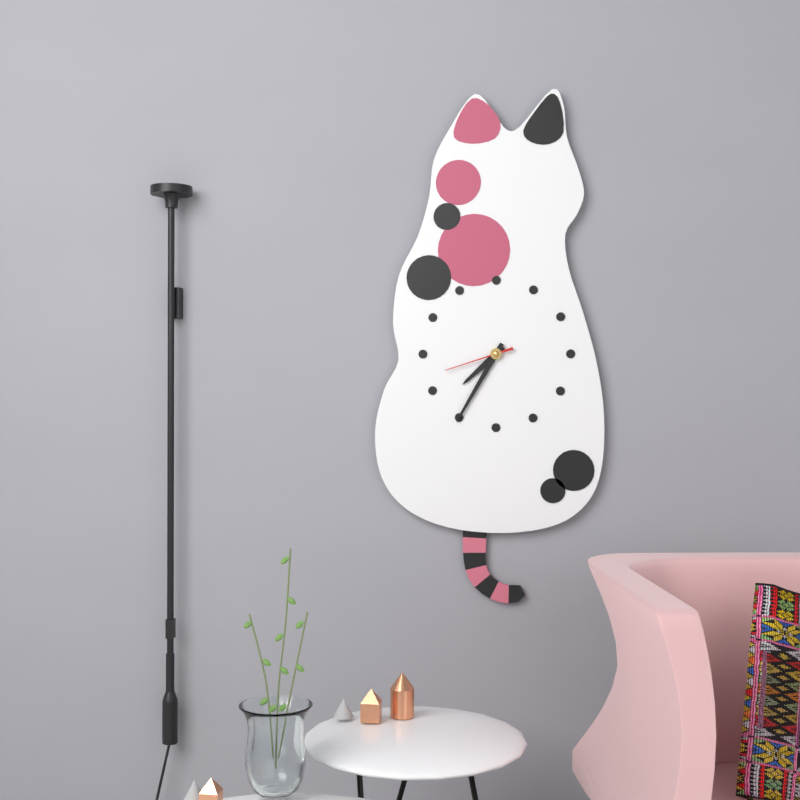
7:35:42
